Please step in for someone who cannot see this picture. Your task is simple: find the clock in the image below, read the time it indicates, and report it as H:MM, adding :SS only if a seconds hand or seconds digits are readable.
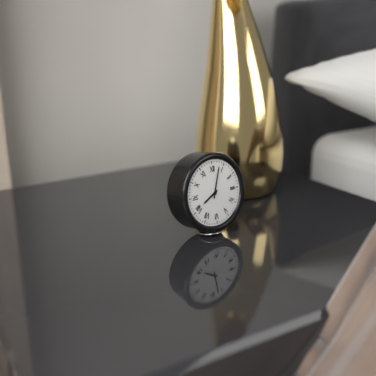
8:03
